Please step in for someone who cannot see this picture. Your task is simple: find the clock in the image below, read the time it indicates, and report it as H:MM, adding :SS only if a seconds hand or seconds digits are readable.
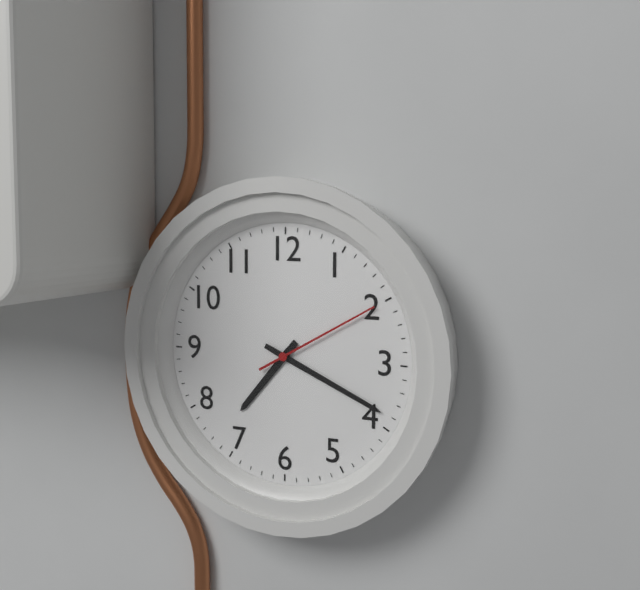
7:19:10
